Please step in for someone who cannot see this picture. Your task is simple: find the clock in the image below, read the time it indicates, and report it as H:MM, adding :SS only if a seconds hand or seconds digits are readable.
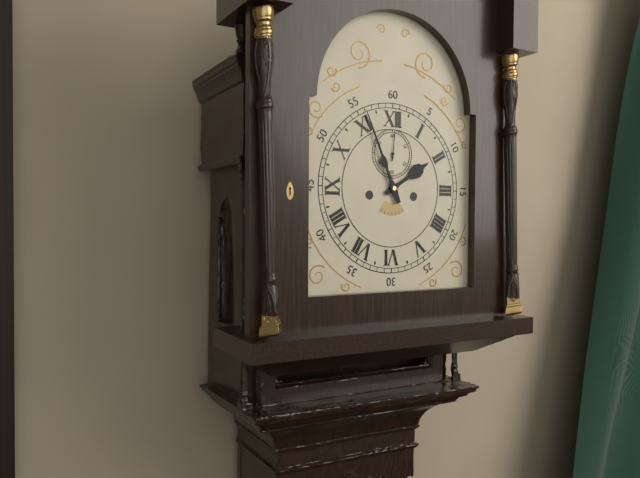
1:56
